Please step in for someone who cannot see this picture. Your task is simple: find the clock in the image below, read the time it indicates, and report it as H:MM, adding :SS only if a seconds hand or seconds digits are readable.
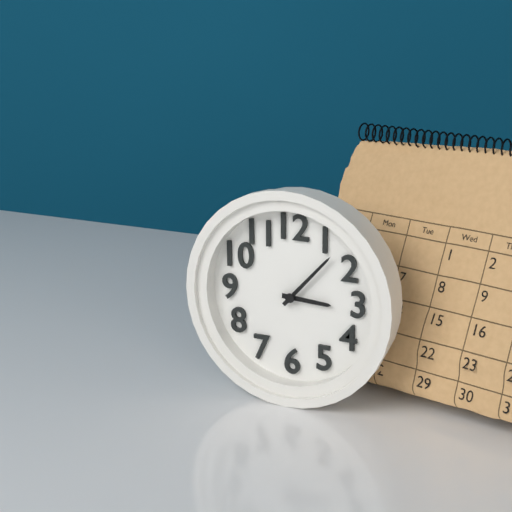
3:07
